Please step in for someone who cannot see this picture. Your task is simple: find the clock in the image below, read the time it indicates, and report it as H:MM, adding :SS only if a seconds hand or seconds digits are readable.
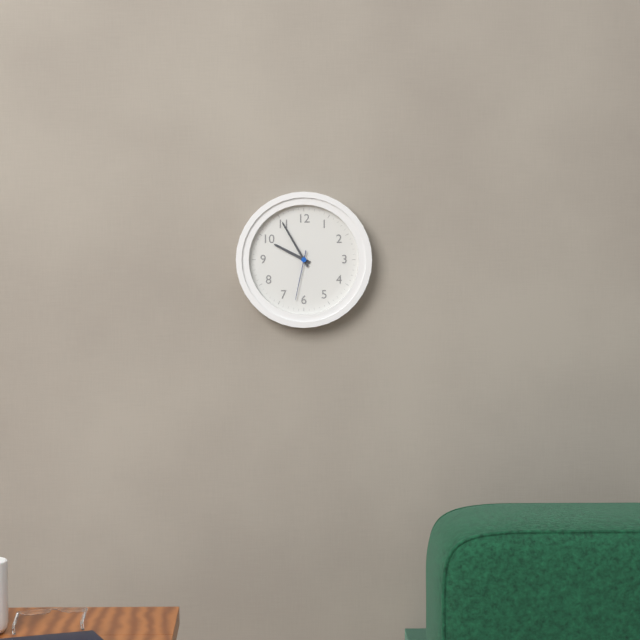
9:55:32
